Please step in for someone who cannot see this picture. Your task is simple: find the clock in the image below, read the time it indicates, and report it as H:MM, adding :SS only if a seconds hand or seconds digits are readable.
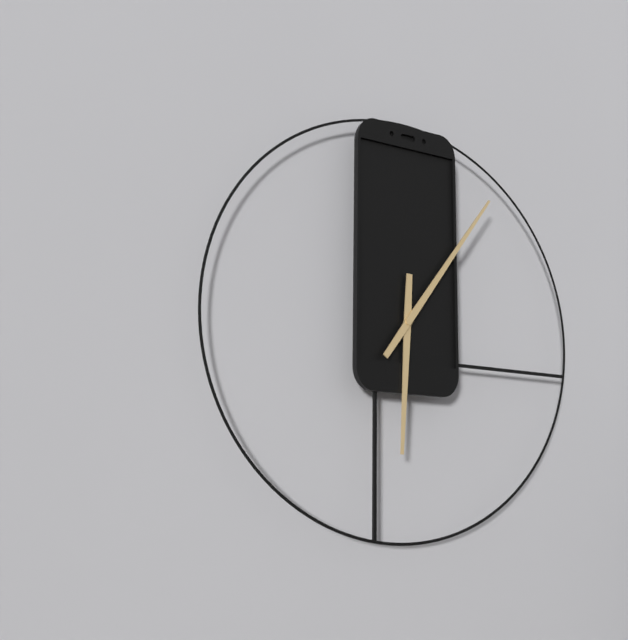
6:06
